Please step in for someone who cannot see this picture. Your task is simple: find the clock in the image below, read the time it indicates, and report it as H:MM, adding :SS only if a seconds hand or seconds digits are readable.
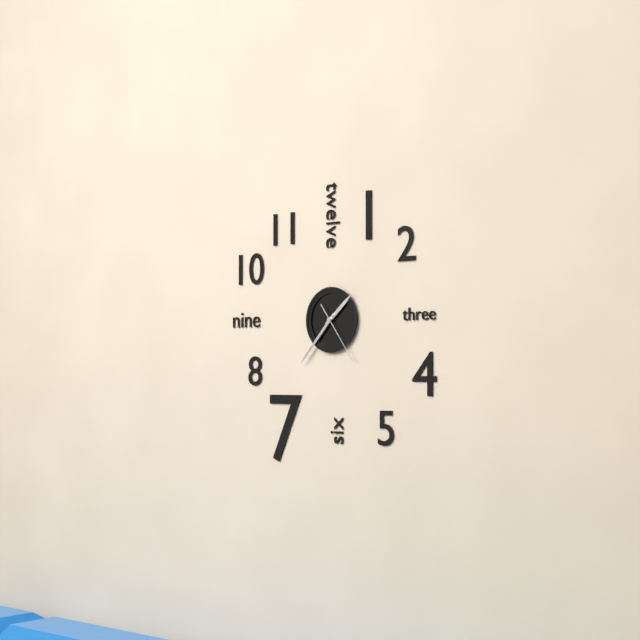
1:37:24
